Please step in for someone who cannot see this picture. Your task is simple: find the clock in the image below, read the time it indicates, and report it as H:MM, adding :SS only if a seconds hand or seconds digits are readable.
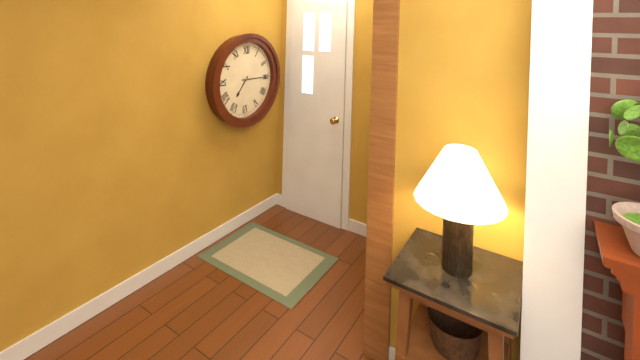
7:15
